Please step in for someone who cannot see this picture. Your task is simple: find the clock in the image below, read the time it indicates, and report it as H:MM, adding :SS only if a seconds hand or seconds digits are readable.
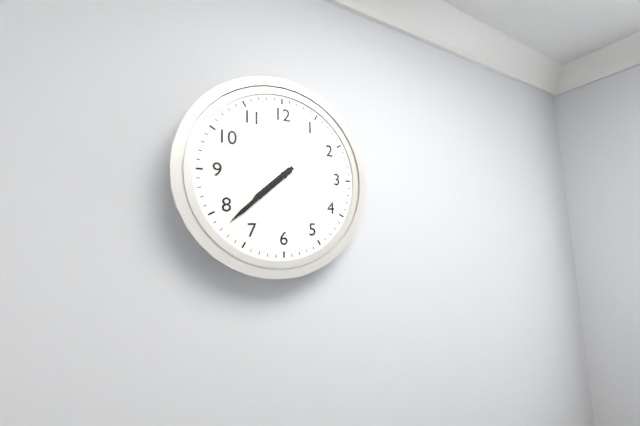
7:38
